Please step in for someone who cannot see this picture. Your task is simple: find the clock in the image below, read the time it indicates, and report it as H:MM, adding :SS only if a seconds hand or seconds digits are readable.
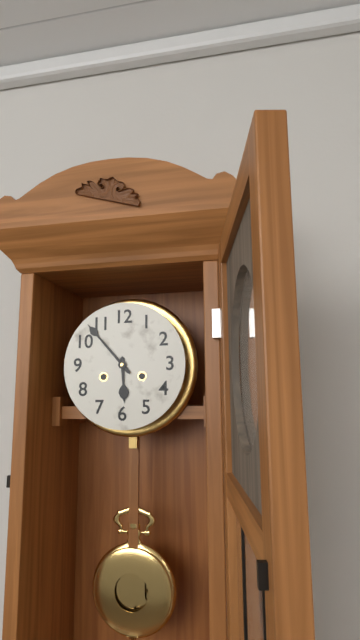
5:53
